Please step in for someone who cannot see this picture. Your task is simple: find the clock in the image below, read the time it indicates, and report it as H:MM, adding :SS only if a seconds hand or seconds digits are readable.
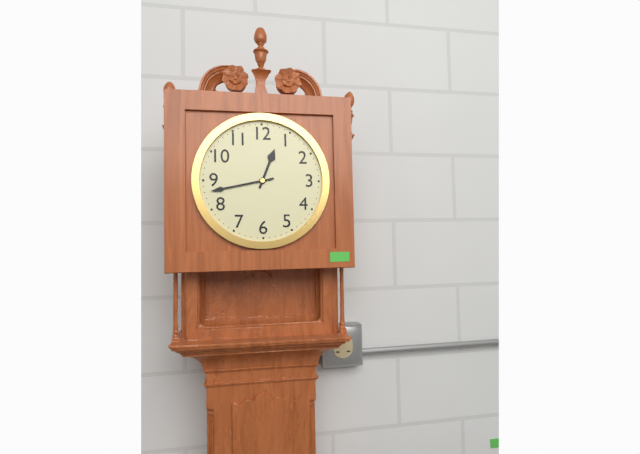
12:43
